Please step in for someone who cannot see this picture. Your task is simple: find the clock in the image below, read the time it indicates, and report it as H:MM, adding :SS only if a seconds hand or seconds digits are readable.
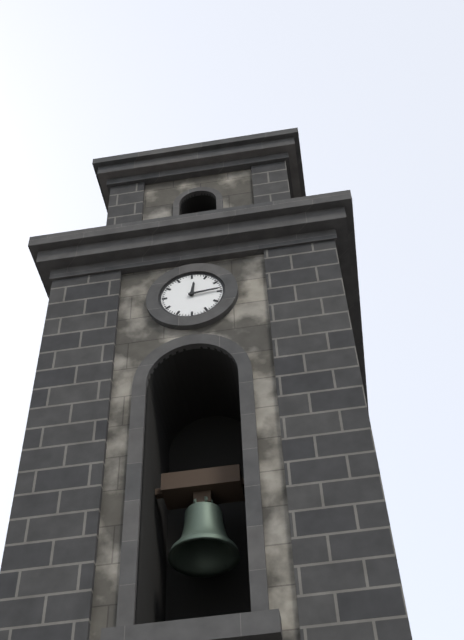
12:14
